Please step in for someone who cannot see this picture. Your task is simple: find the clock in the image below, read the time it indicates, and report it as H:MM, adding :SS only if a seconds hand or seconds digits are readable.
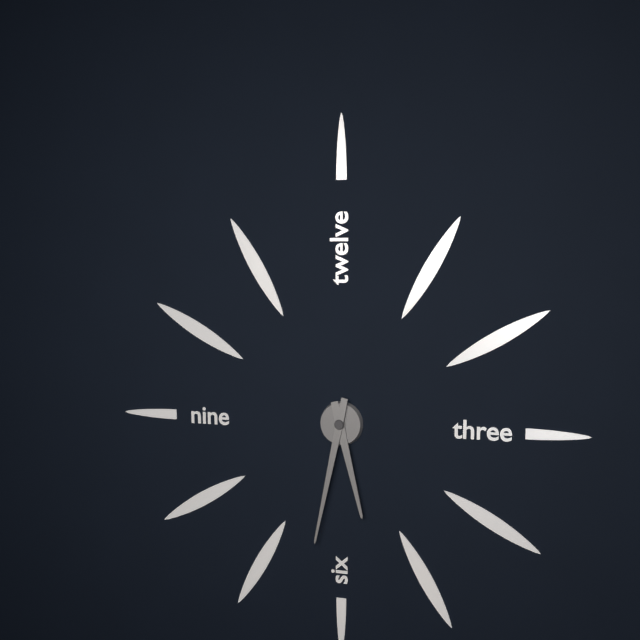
5:32
